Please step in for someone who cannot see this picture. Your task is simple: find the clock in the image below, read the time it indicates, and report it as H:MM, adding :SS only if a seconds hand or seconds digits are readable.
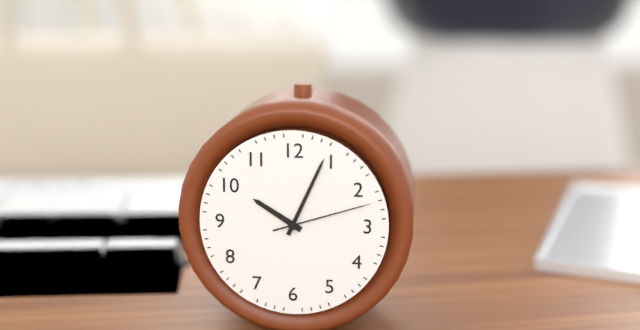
10:04:12
